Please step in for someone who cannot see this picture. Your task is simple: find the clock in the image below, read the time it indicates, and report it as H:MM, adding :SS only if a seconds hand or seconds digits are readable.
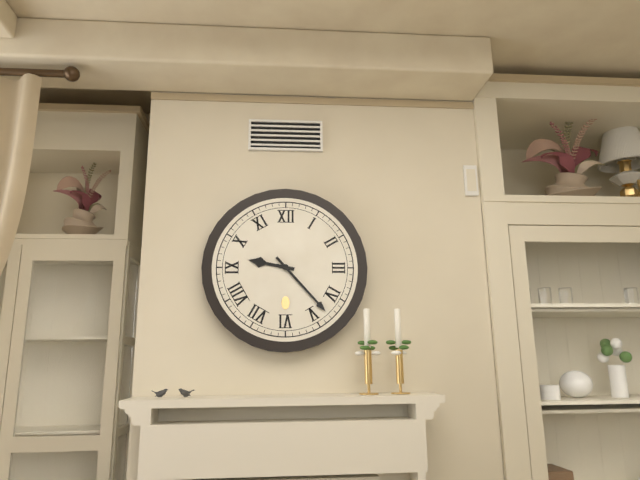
9:23
